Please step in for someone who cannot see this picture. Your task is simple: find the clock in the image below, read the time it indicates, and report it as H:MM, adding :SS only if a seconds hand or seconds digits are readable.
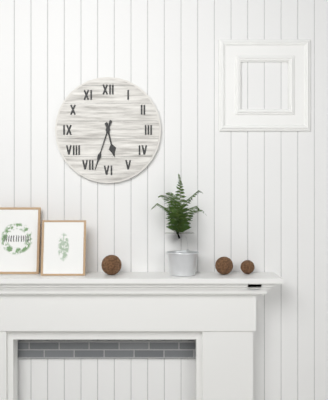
5:33
